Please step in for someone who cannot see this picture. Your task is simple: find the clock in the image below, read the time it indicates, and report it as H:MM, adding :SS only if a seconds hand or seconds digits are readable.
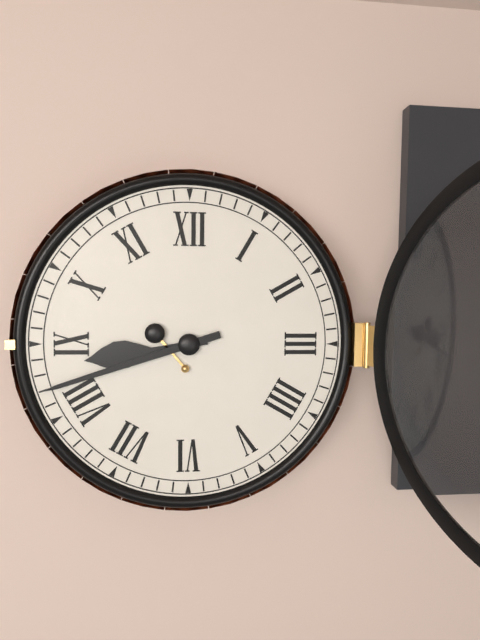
8:42
